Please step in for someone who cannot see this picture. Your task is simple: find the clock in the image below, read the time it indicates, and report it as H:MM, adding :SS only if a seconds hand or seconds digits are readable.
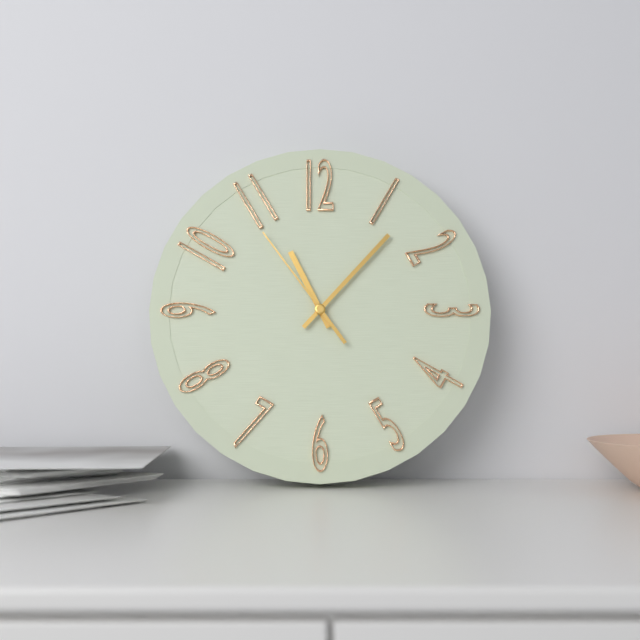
11:07:54
